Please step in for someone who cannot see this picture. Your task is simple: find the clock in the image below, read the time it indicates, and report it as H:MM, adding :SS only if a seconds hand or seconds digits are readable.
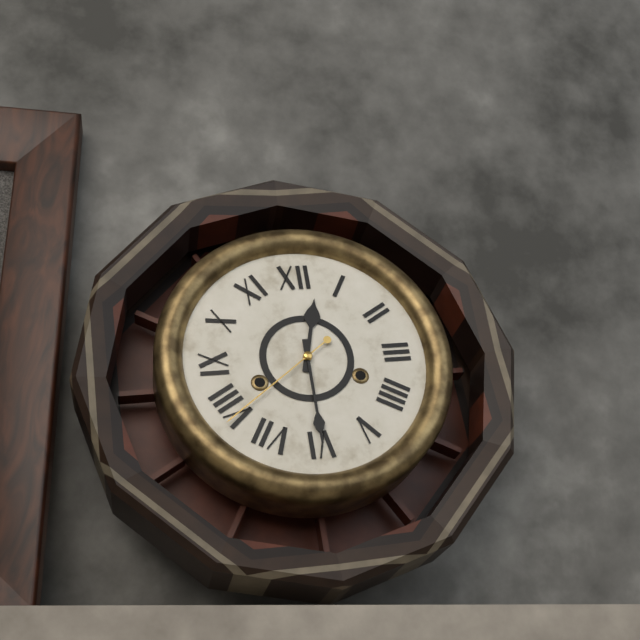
12:30:39
